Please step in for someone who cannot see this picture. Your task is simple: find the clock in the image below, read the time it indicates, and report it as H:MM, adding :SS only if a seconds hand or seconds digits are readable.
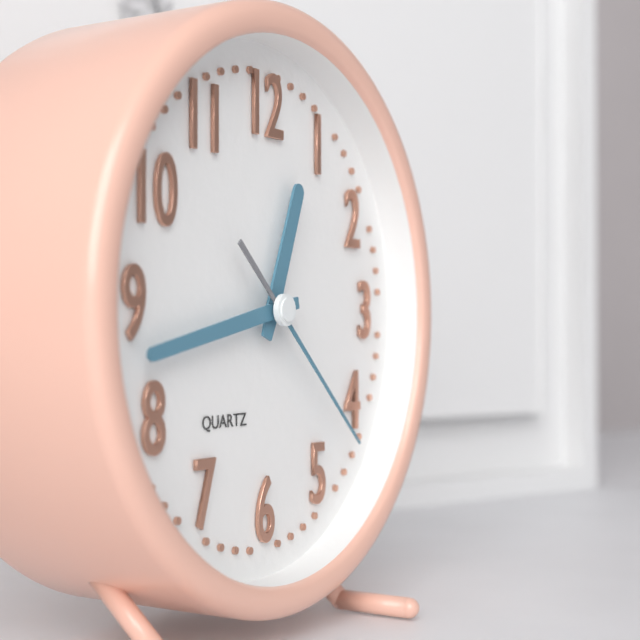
12:43:22
